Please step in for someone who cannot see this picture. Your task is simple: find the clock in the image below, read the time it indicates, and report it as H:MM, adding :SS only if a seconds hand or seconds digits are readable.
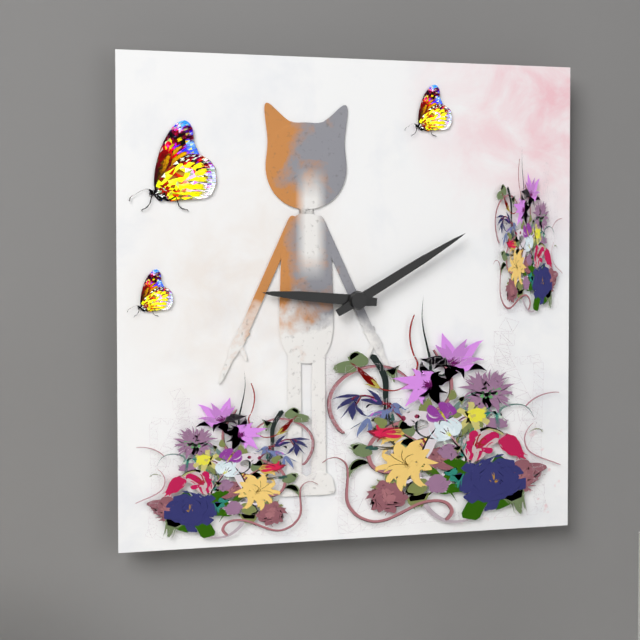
9:10
